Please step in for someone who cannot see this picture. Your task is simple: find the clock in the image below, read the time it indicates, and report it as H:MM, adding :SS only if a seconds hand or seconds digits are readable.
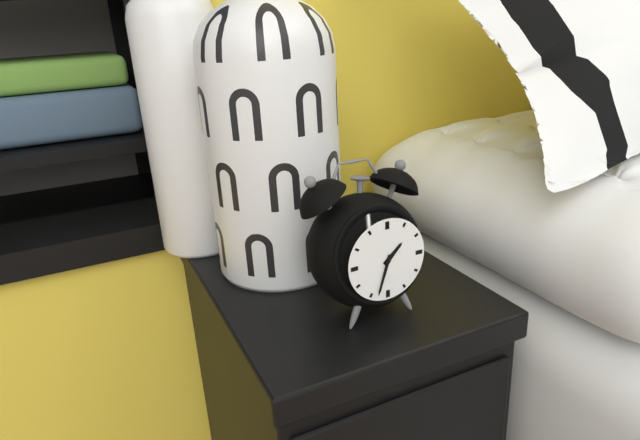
1:33
